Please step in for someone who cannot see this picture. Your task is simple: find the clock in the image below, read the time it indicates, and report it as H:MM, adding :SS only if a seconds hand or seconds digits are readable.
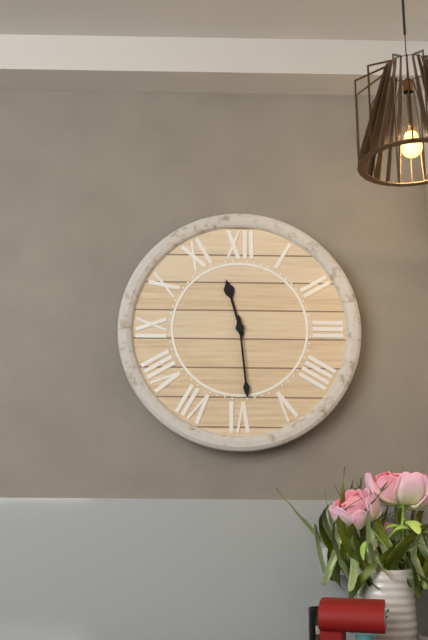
11:29
